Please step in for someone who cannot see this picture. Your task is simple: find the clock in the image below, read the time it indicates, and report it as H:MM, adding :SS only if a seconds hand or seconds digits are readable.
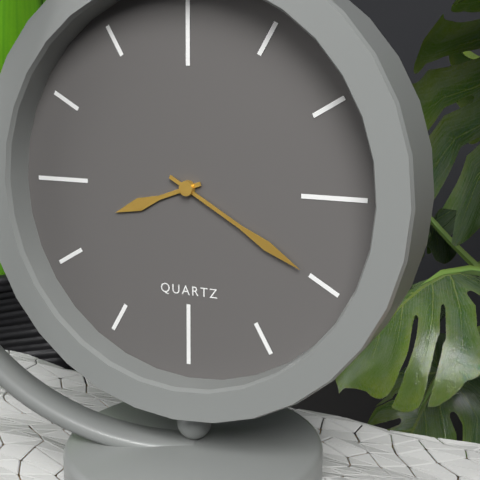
8:20
